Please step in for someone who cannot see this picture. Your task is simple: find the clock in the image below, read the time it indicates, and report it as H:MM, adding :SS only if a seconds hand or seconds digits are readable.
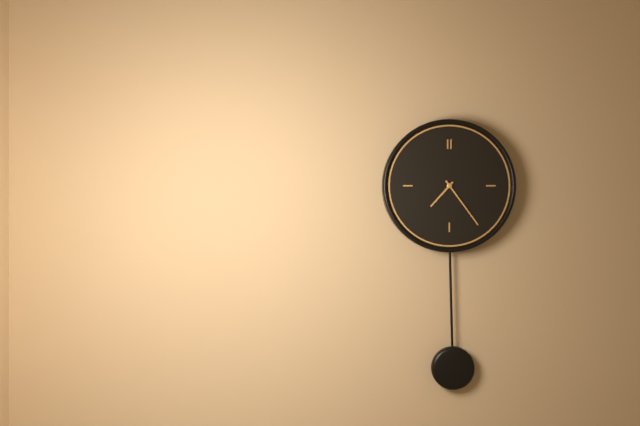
7:24
